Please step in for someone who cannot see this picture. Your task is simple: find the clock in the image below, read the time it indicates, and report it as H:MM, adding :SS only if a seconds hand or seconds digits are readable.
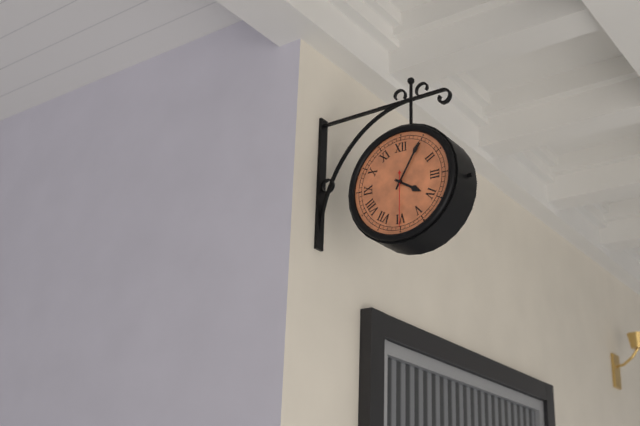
4:05:30
